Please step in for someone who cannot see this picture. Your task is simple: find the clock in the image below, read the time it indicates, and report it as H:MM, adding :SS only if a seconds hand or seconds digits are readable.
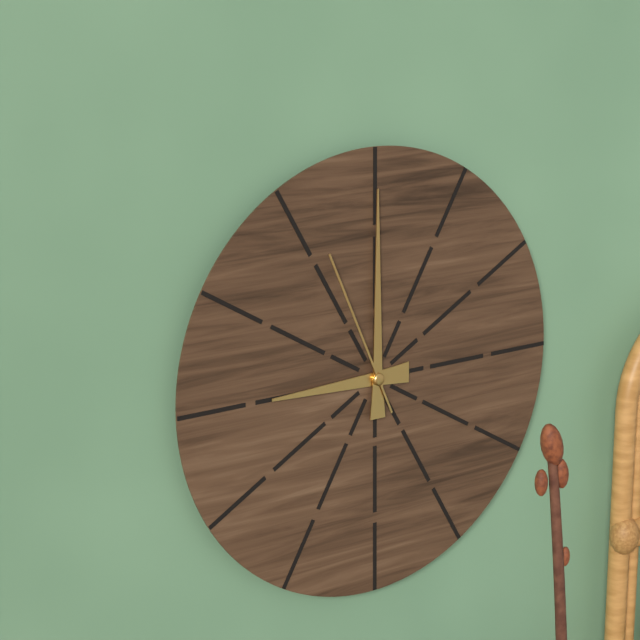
9:00:56
